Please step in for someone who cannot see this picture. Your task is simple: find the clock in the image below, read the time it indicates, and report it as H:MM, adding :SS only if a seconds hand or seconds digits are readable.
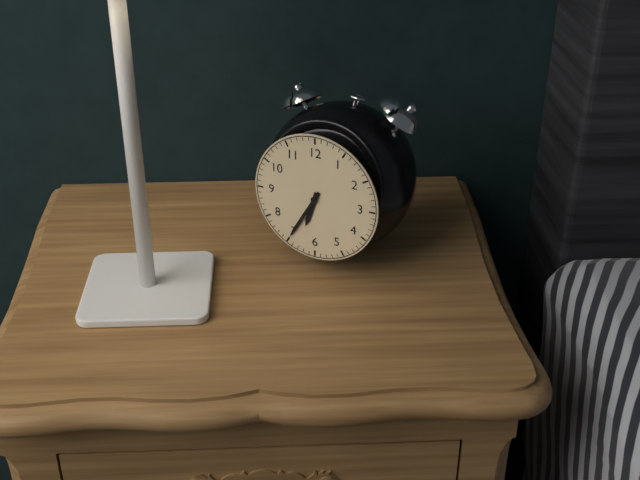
6:35
